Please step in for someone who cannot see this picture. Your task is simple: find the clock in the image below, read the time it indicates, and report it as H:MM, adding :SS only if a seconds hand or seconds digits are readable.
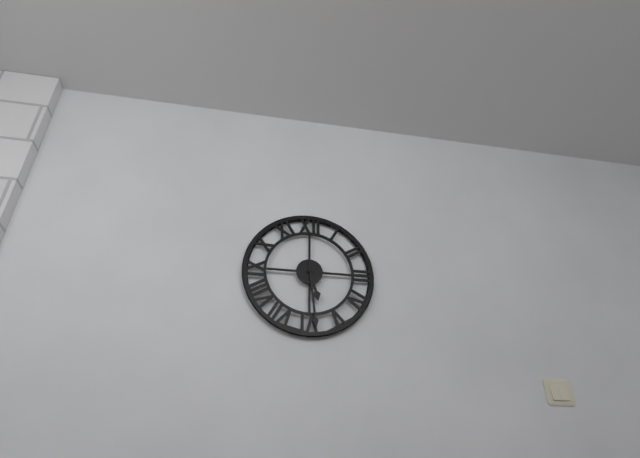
5:29
